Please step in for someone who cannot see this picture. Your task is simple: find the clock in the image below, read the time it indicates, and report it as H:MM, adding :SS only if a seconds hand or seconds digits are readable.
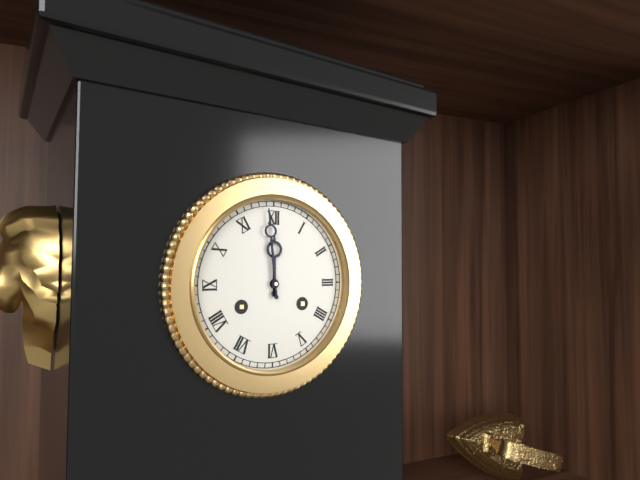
11:59
